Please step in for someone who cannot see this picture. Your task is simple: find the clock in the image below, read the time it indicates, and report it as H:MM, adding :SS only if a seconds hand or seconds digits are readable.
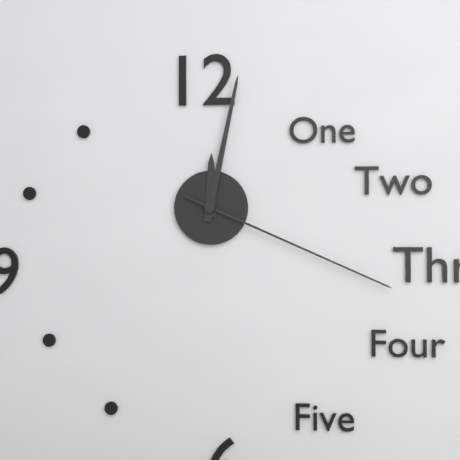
12:02:19
